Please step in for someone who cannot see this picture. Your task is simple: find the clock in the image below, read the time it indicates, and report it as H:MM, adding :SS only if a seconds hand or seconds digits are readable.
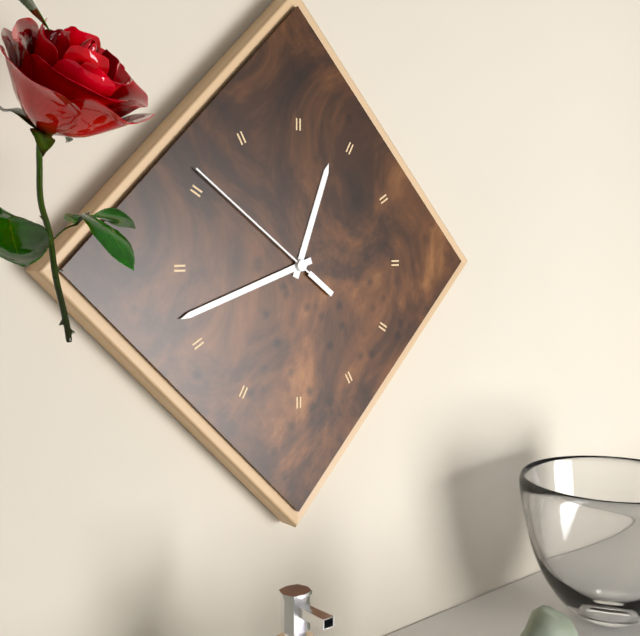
12:42:51
